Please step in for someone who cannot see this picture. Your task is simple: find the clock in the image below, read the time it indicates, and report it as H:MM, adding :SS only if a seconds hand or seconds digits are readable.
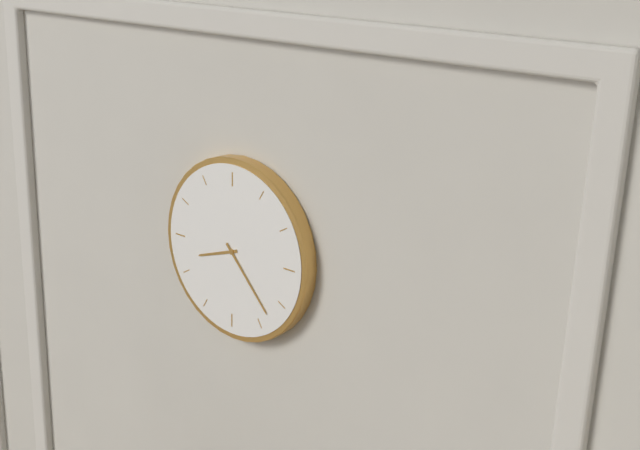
8:23
